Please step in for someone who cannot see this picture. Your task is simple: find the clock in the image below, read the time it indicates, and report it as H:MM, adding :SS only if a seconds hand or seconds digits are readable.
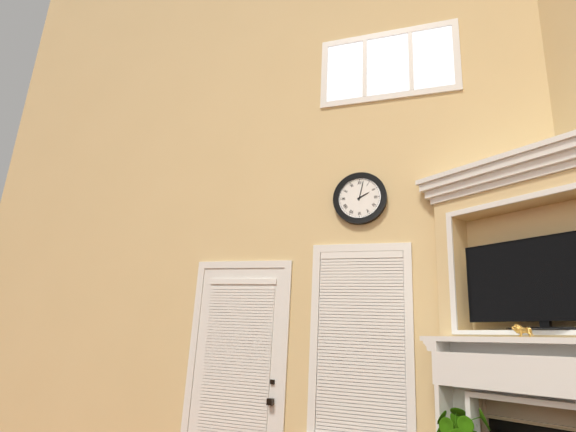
2:02
